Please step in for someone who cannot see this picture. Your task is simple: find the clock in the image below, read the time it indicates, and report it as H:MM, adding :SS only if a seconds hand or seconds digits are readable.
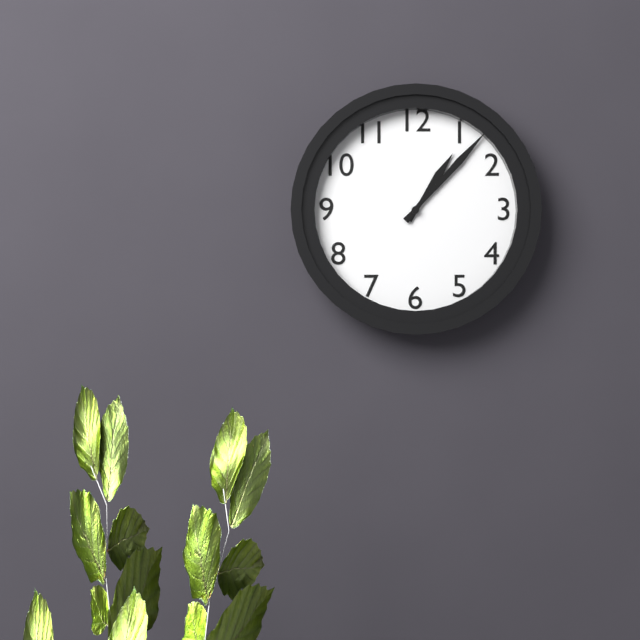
1:07
